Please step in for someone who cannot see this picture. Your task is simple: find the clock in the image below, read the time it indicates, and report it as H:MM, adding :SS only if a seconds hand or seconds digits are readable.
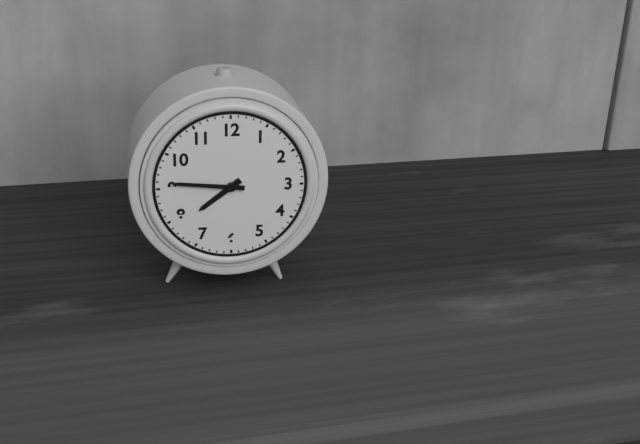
7:46
